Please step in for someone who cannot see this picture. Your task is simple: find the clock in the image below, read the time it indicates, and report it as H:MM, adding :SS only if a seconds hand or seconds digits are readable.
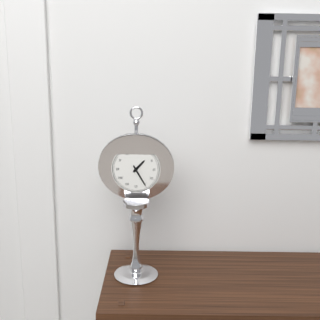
1:25
